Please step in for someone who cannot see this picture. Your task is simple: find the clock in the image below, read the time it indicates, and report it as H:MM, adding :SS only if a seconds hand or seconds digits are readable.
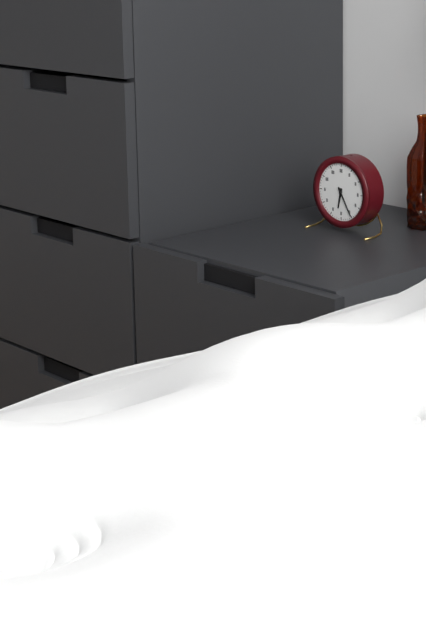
6:25
